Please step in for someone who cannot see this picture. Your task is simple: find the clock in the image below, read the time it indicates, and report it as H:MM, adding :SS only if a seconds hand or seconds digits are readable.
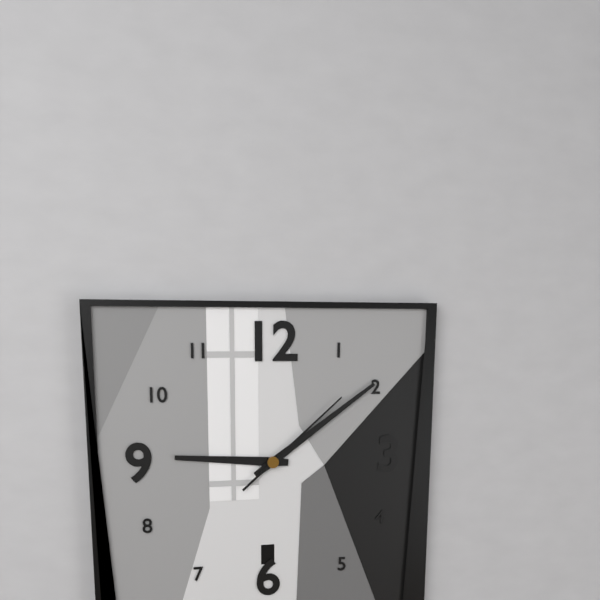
9:09:08
